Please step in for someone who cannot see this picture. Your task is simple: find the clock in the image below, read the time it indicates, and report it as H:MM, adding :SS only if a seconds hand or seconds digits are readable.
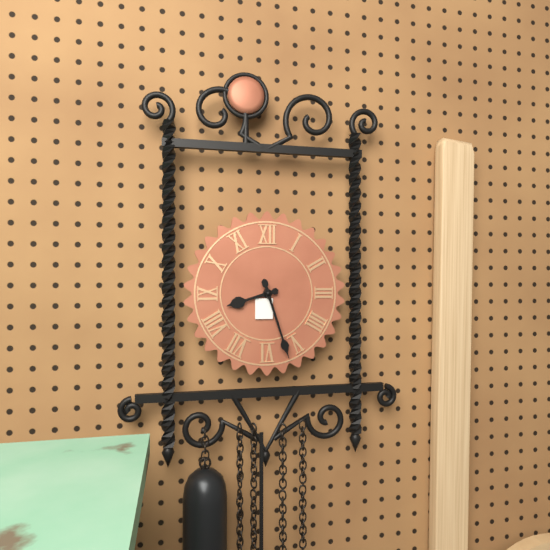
8:27
